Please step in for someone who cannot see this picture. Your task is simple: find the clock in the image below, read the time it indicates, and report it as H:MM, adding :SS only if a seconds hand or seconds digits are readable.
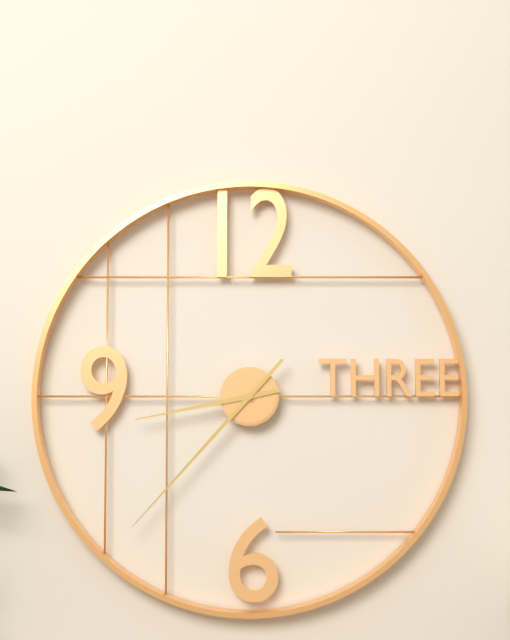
8:37
